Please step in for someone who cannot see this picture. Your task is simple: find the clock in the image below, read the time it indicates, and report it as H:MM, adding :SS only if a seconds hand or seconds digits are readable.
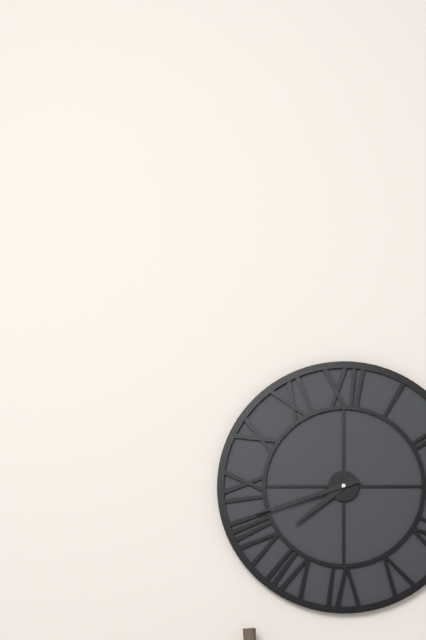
7:42
